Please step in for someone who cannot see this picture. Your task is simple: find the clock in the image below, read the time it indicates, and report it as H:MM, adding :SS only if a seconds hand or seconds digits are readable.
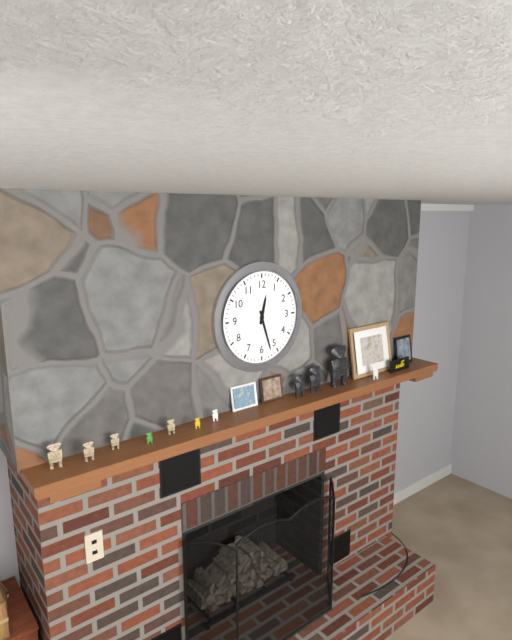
12:27
